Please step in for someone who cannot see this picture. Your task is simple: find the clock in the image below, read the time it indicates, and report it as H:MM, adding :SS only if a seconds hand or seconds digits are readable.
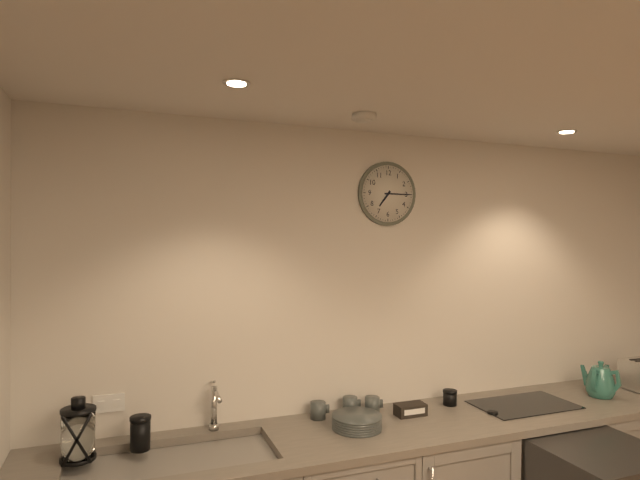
7:15
